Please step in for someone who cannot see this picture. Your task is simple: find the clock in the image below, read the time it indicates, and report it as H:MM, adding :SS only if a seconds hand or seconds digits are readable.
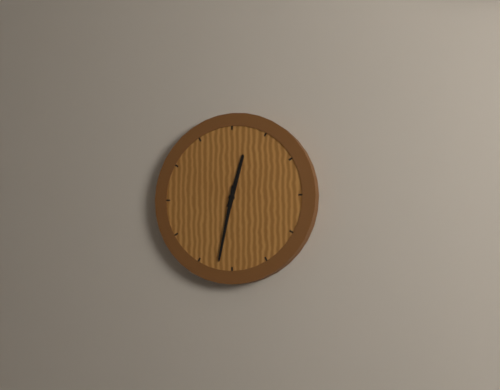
12:32
